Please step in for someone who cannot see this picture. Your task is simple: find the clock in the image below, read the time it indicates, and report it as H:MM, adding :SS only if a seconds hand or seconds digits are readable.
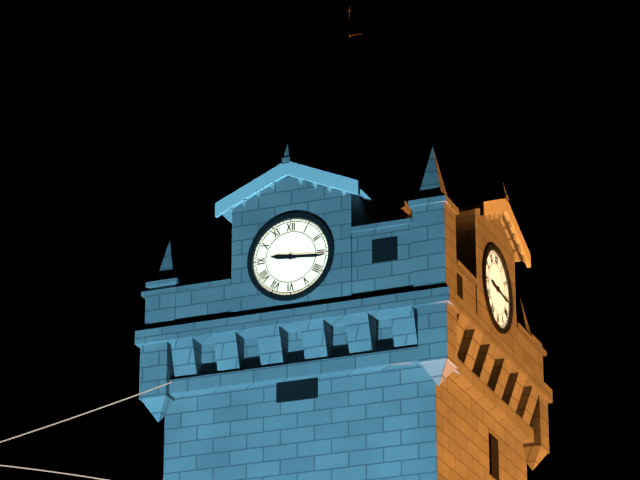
9:16
